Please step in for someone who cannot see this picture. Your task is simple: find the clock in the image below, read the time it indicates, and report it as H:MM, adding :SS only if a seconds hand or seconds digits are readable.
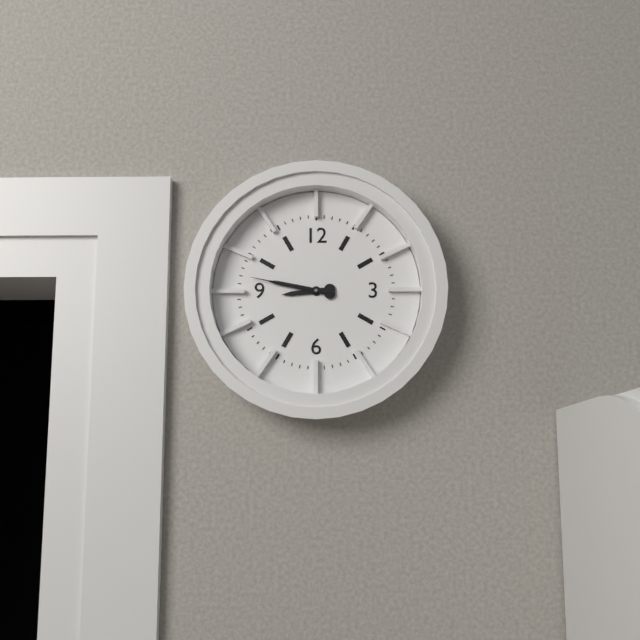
8:47:47
